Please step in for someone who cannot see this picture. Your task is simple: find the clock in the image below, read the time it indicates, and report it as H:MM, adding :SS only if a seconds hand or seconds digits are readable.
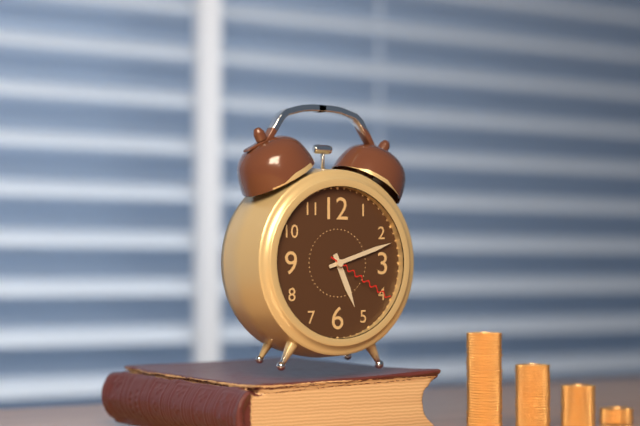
5:12:20
